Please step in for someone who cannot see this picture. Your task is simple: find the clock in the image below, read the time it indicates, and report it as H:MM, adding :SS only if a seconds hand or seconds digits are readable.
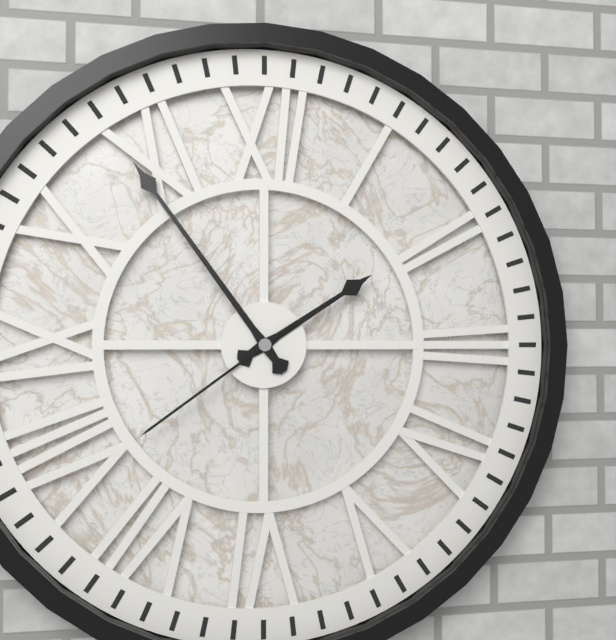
1:54:39
